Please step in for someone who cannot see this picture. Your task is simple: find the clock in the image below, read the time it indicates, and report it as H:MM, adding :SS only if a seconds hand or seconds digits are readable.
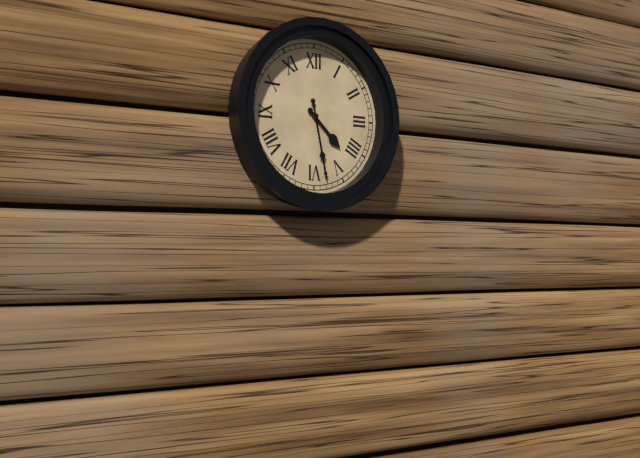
4:28
